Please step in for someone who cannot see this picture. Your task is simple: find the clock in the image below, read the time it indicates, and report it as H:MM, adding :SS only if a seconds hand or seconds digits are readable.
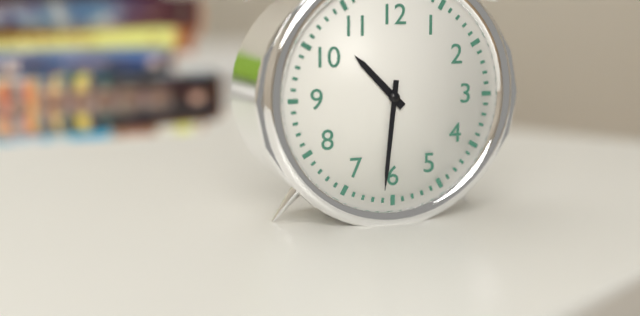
10:31
